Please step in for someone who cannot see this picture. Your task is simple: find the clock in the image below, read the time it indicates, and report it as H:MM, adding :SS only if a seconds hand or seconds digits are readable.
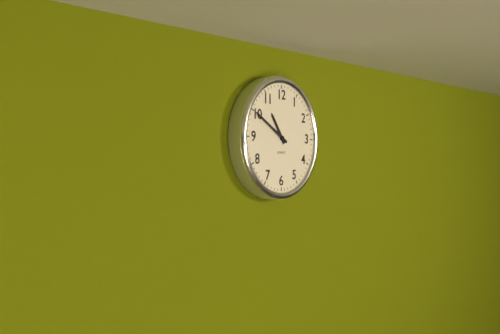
10:50
